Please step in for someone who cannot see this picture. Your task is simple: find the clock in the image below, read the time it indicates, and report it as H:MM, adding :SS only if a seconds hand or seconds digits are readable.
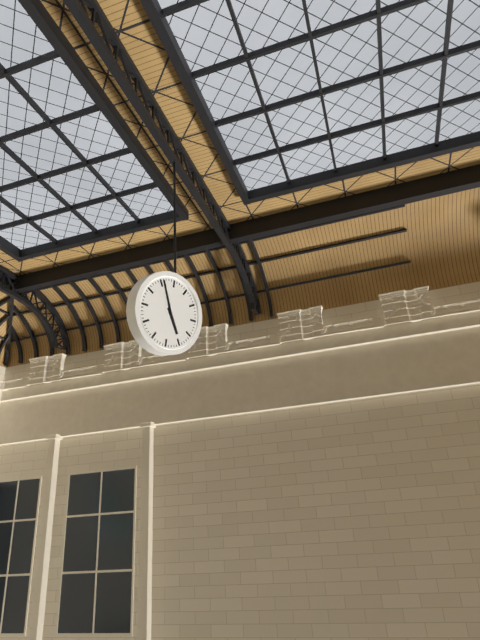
4:56
